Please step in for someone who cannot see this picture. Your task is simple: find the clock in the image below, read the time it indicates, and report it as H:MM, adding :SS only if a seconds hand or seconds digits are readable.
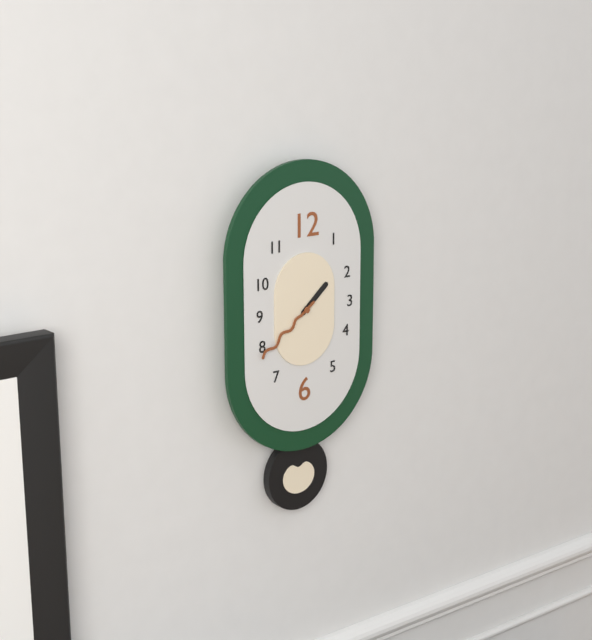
1:39
